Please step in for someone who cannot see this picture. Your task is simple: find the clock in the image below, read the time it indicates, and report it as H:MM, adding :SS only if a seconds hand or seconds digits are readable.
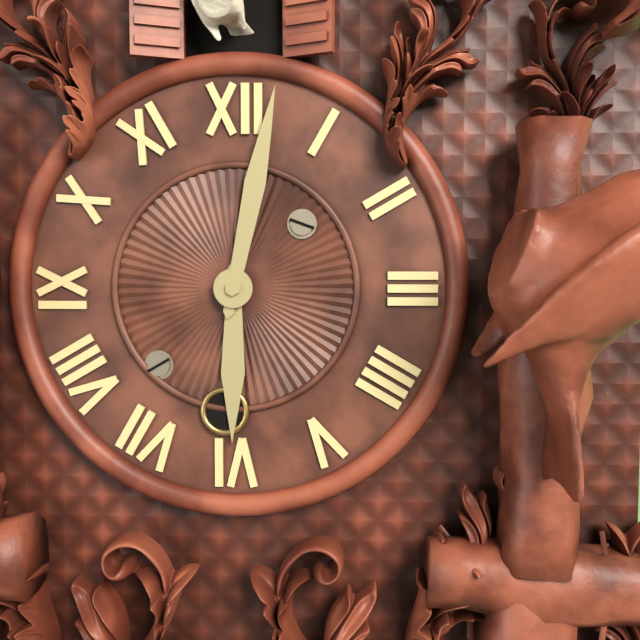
6:02
